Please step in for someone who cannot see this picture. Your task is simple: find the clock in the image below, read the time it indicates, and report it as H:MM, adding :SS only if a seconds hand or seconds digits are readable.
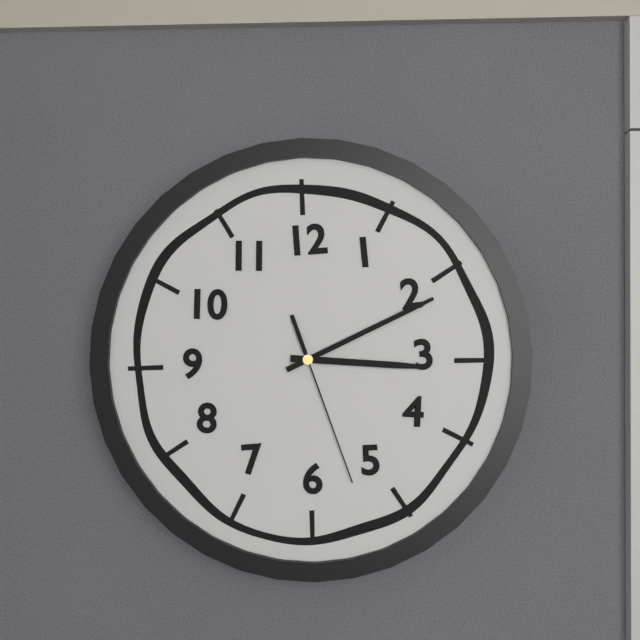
3:11:27
